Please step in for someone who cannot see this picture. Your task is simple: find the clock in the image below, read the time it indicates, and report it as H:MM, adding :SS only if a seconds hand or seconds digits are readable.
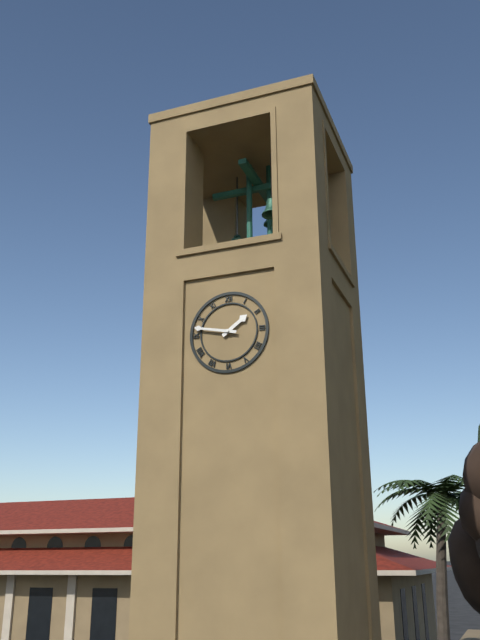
1:47
